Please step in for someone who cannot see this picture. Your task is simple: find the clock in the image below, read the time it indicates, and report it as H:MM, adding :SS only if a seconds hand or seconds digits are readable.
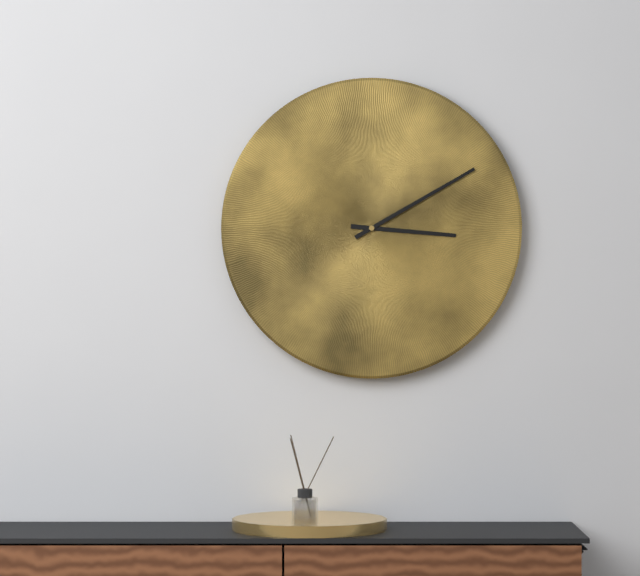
3:10
